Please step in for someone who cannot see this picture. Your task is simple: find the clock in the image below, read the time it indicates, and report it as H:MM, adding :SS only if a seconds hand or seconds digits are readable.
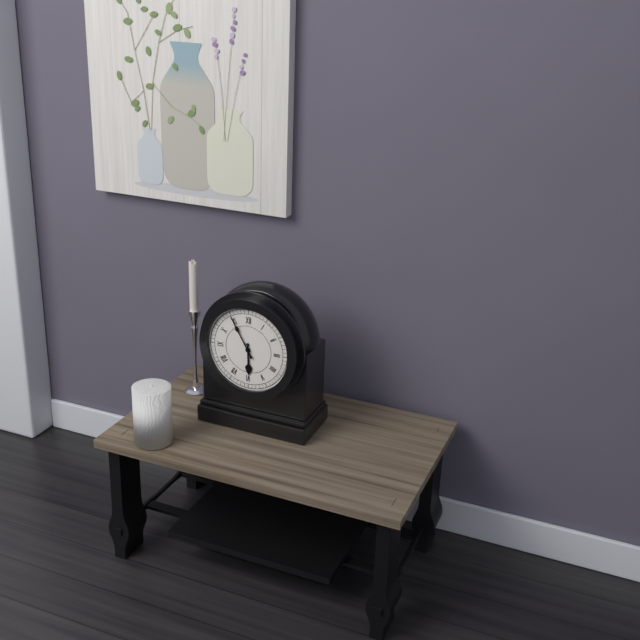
5:55
